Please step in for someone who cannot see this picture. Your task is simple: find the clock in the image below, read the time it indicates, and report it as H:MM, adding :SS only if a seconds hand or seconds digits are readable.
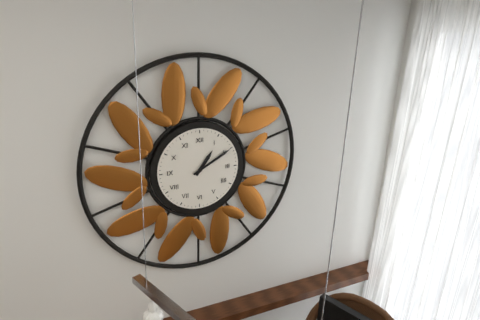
1:10
